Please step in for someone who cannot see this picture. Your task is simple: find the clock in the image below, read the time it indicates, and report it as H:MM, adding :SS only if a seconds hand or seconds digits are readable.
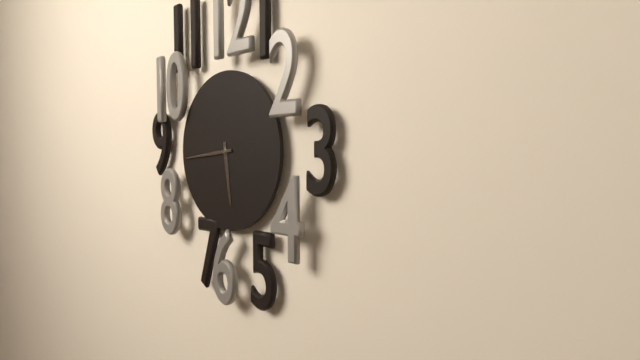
5:44
